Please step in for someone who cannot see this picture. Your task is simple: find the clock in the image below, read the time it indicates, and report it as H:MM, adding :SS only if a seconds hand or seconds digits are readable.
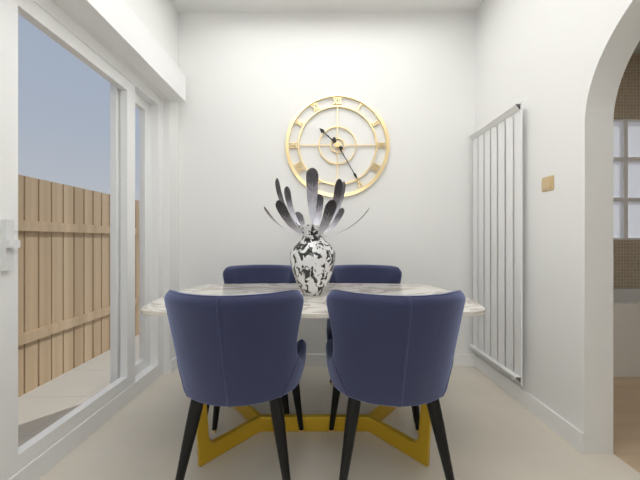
10:25
